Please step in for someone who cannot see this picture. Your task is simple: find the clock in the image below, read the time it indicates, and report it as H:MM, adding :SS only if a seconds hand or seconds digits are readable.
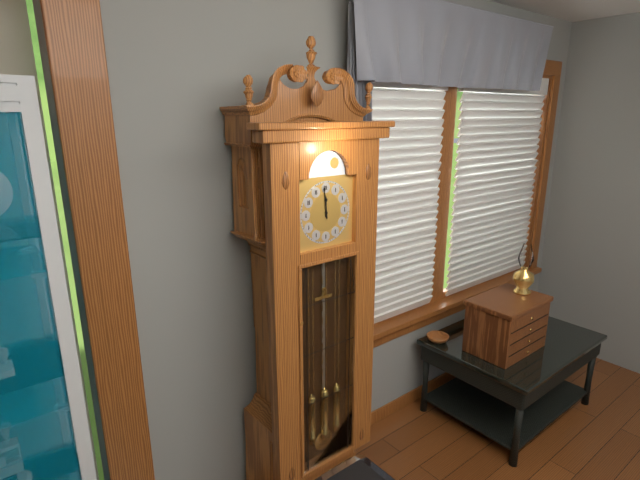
11:59
